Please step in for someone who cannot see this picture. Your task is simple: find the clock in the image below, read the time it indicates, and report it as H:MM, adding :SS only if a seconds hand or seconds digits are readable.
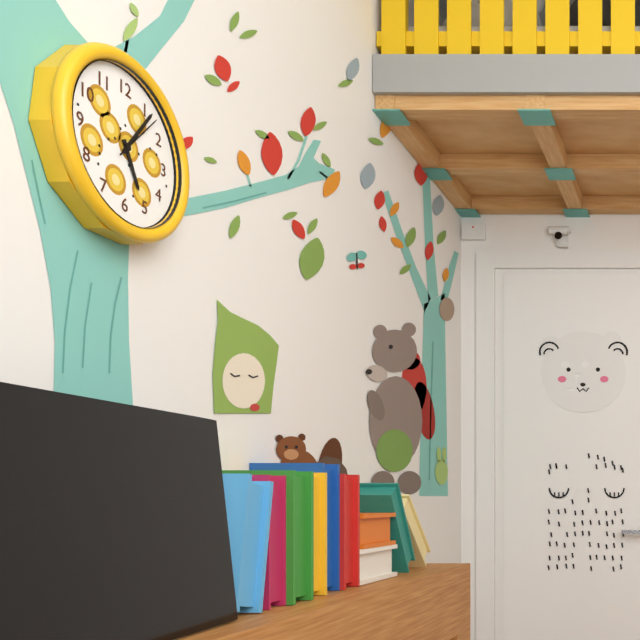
5:06:07
